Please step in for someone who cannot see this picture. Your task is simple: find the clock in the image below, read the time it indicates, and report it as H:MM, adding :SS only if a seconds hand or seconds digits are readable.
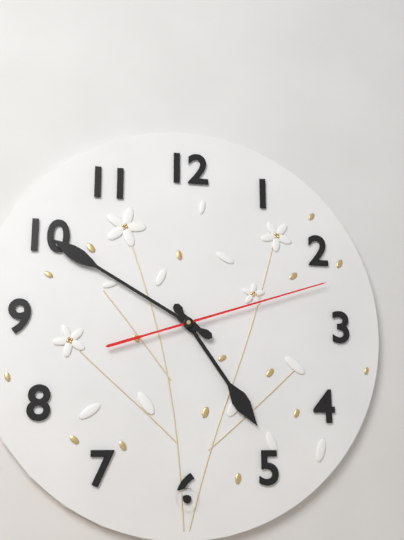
4:50:12
